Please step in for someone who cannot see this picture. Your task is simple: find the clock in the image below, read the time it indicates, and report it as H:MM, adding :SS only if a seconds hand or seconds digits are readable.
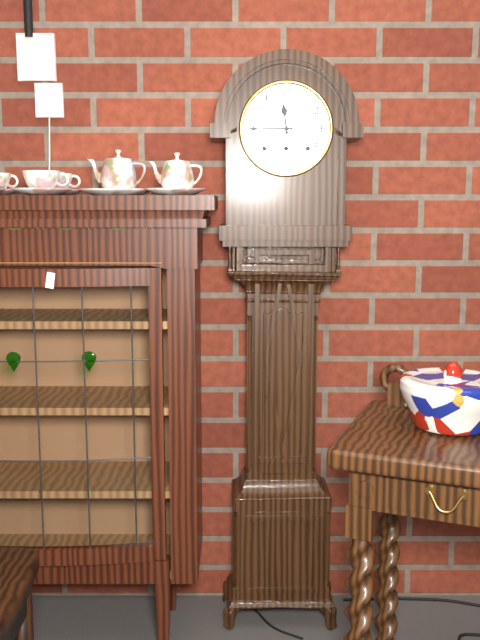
11:45
